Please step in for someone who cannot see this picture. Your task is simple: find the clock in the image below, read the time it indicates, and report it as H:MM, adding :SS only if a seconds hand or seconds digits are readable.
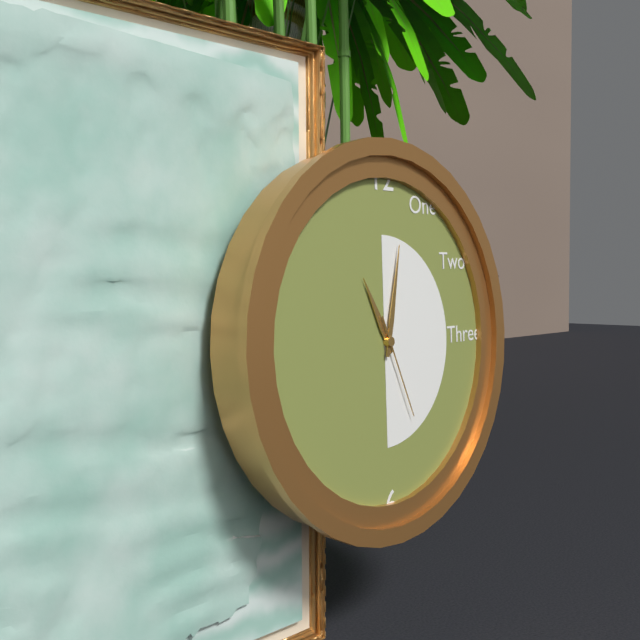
11:02:26
